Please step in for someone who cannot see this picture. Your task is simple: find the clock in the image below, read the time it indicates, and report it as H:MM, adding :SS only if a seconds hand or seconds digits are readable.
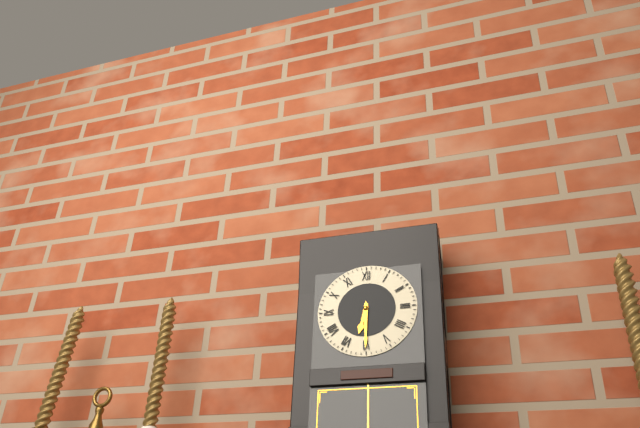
6:30
